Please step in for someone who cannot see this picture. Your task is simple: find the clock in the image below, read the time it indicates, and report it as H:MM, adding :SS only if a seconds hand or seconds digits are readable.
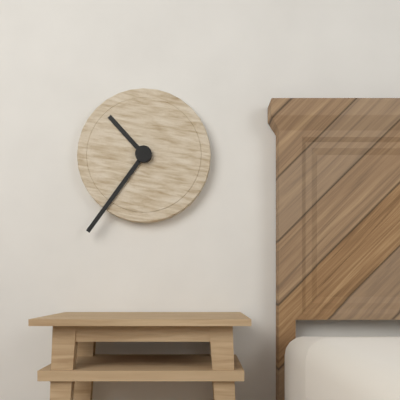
10:36
